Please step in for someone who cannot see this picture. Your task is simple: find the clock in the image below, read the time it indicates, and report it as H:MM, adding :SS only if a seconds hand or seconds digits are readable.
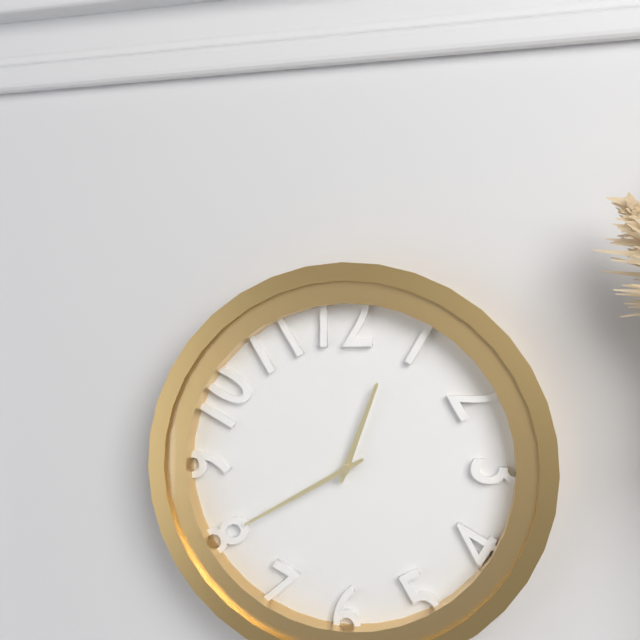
12:40
